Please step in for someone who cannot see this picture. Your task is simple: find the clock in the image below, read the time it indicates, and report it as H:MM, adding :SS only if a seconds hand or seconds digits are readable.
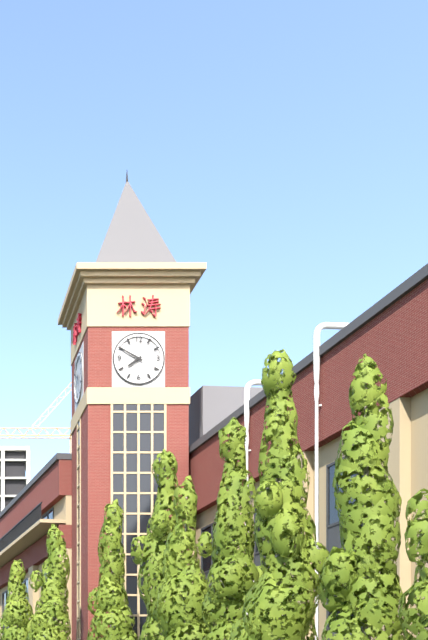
7:50
